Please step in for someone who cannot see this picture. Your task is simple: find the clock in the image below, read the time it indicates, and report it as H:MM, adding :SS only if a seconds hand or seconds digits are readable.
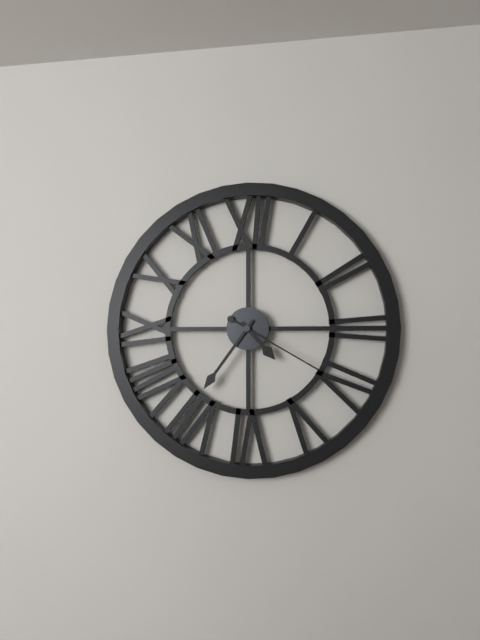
4:36:20
